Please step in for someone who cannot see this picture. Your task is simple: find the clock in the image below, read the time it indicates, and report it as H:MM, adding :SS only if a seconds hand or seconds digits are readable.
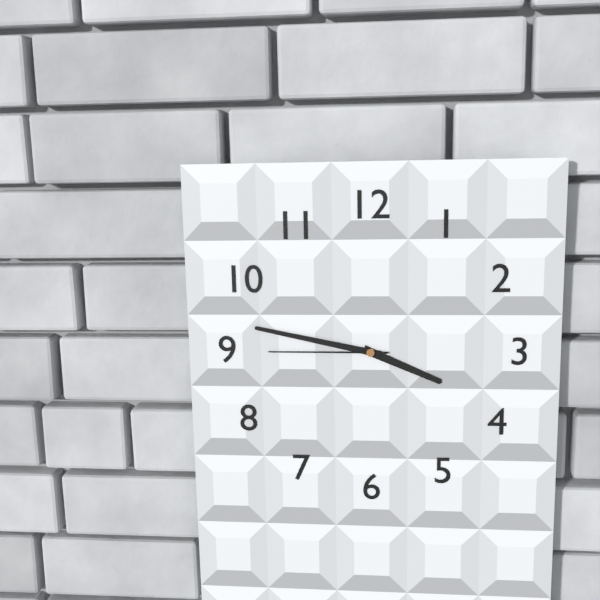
3:47:45
